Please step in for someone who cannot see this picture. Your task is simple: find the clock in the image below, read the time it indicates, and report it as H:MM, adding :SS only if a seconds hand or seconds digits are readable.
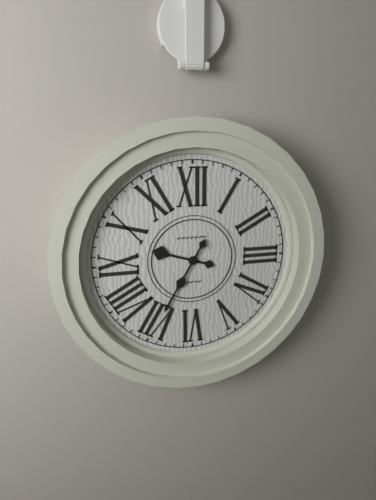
9:35
